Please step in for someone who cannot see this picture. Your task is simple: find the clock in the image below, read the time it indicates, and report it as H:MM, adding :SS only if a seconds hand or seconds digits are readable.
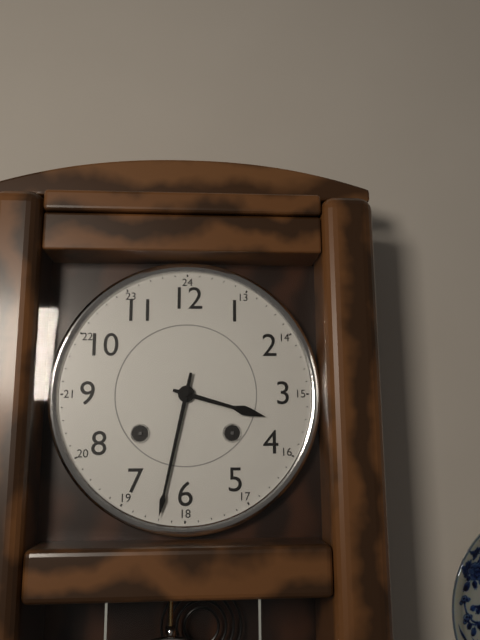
3:32
